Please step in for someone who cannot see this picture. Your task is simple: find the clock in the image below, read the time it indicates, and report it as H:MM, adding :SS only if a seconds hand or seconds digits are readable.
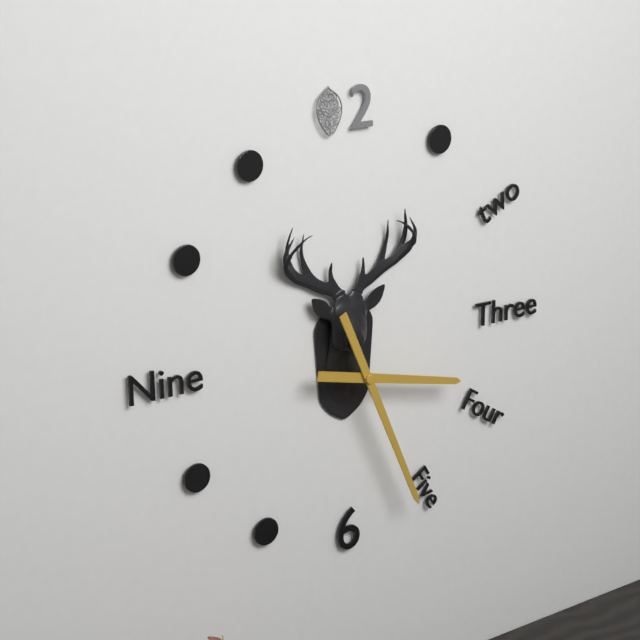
3:26
